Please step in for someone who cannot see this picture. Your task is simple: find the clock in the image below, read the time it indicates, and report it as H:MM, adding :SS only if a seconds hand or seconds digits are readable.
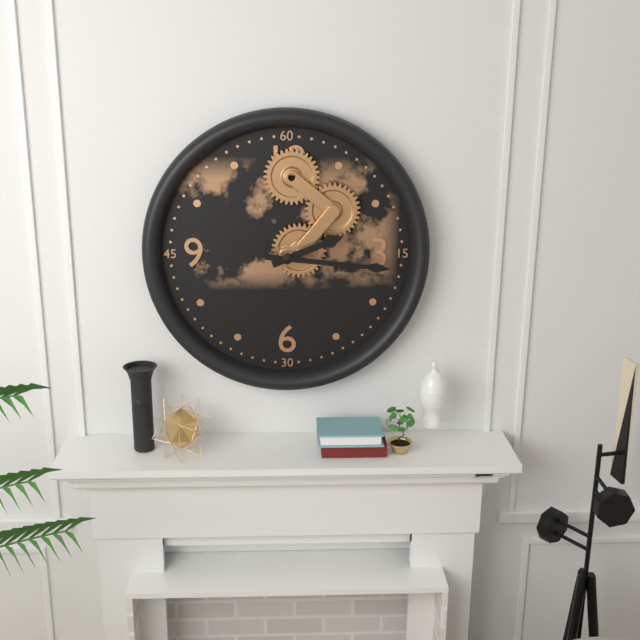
2:16
